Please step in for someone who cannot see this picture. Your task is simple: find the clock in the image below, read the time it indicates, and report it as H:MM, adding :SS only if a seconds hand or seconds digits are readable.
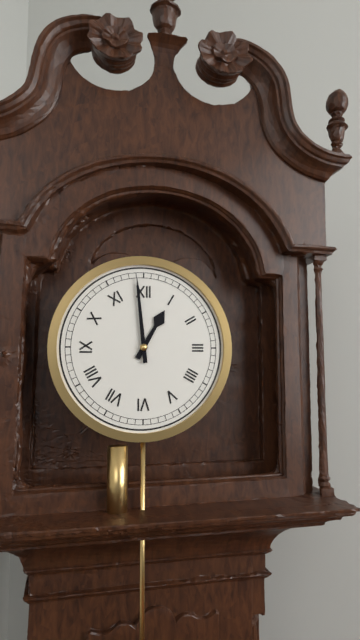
12:59
